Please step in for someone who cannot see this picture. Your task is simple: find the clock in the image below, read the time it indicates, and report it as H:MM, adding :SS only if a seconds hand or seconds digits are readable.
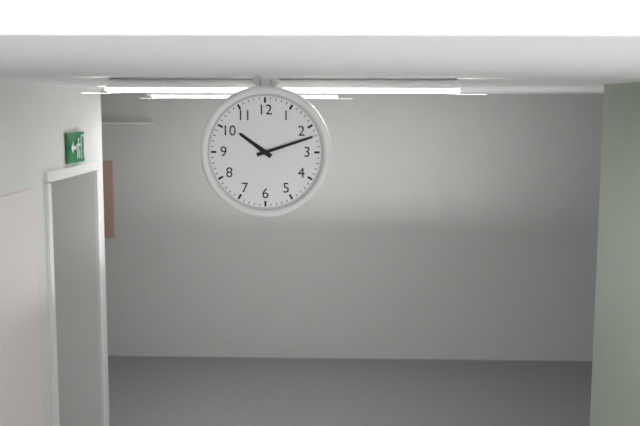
10:12
